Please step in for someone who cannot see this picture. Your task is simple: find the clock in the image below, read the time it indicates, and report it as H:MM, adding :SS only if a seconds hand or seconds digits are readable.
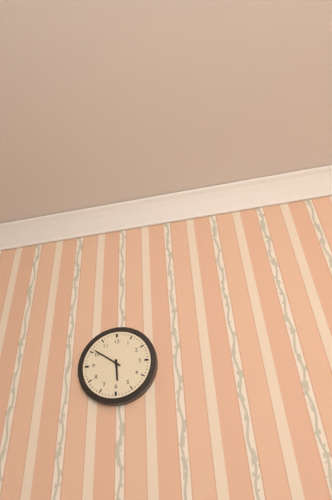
5:51
